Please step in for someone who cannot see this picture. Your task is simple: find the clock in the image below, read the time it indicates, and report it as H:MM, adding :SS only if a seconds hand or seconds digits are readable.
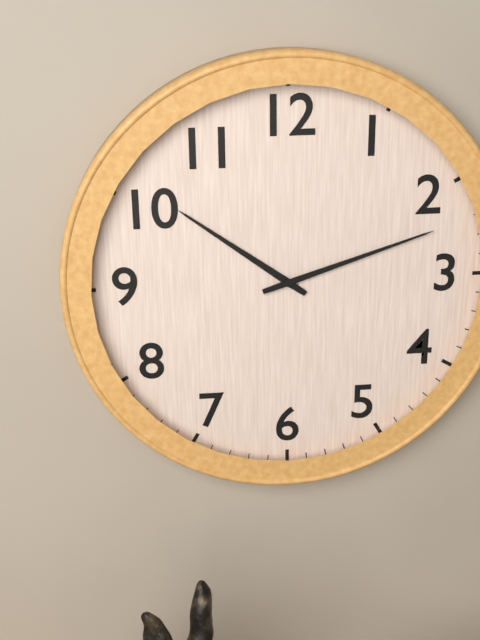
10:12
